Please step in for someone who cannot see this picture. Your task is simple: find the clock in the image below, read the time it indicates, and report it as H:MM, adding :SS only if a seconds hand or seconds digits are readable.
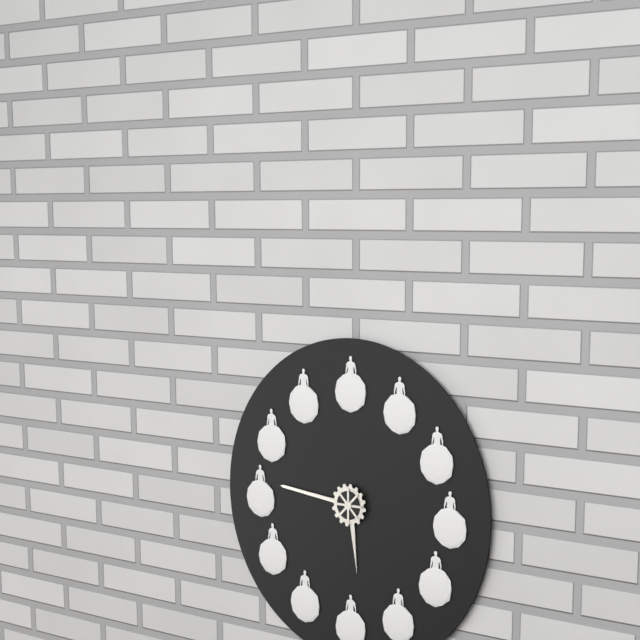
5:46
